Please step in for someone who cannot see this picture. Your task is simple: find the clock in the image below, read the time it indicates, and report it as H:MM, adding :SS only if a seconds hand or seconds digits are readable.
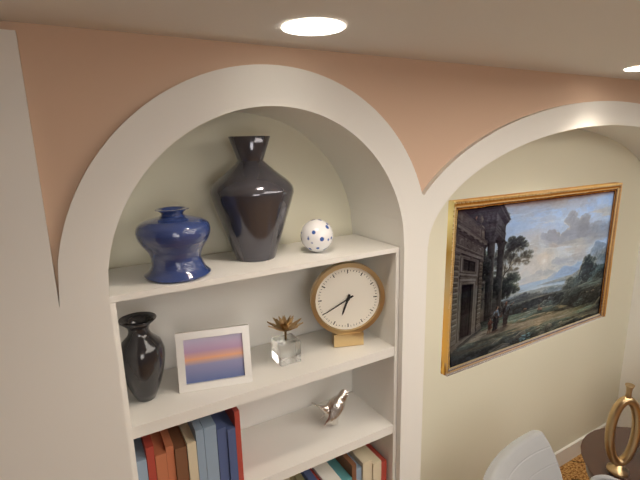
6:40
